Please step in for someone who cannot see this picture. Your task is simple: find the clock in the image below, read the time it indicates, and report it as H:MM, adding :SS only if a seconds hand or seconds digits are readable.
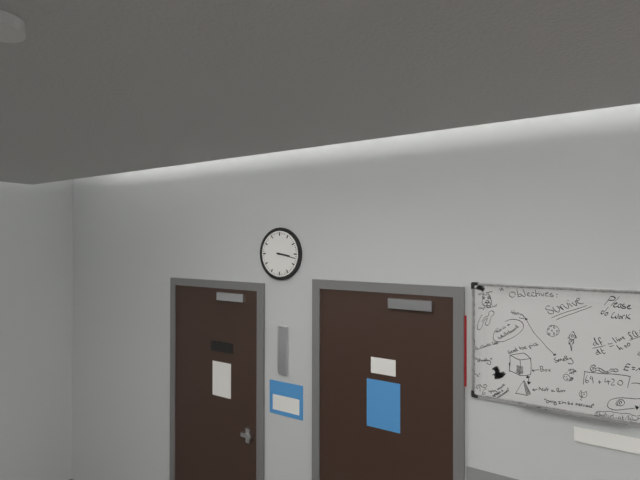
3:17
